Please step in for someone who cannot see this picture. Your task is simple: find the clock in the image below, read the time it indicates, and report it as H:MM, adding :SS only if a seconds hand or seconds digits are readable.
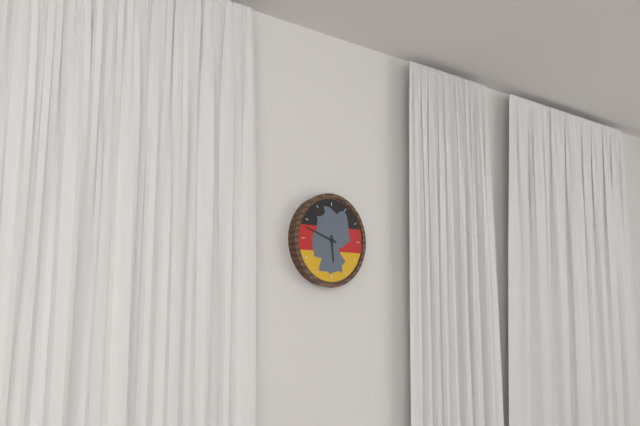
5:48
